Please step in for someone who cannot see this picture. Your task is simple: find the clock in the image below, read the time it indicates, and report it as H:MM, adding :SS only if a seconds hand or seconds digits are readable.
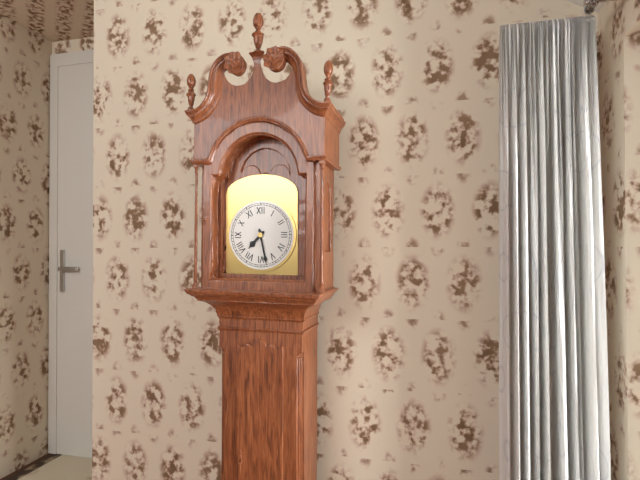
7:28
